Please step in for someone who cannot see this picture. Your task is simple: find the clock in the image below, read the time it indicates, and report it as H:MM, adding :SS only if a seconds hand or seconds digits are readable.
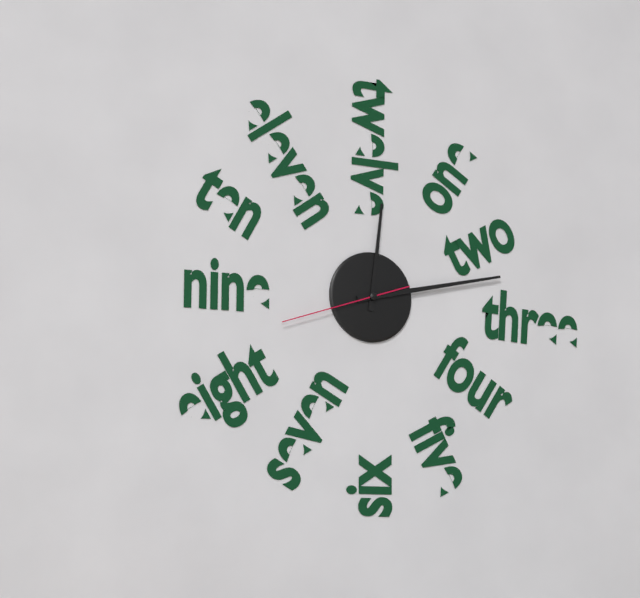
12:13:42
